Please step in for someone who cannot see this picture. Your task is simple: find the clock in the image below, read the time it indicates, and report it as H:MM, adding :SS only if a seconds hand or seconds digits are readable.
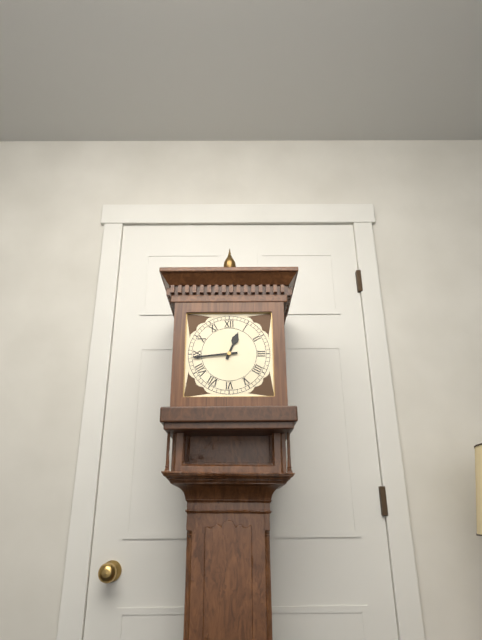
12:44
